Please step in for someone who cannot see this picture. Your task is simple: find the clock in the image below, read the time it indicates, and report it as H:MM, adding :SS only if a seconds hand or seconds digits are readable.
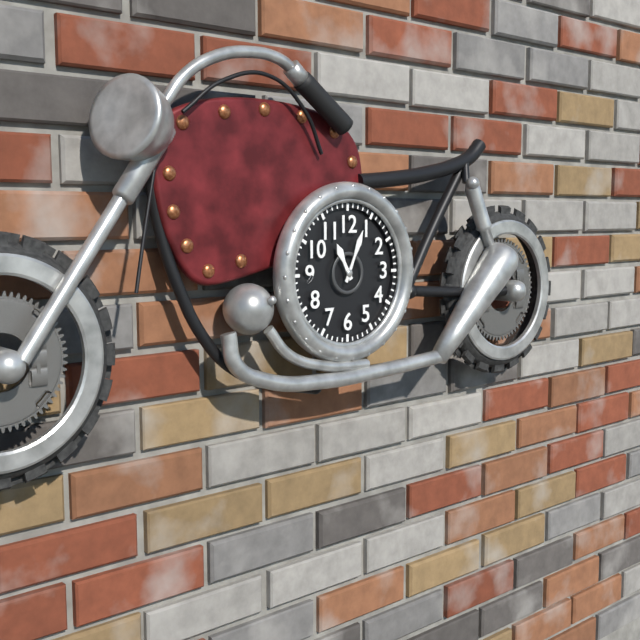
11:04
